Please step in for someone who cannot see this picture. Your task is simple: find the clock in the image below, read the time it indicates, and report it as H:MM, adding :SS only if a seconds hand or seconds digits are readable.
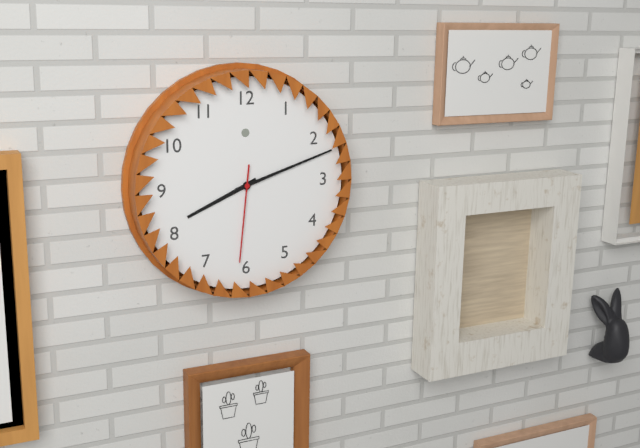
8:12:31
